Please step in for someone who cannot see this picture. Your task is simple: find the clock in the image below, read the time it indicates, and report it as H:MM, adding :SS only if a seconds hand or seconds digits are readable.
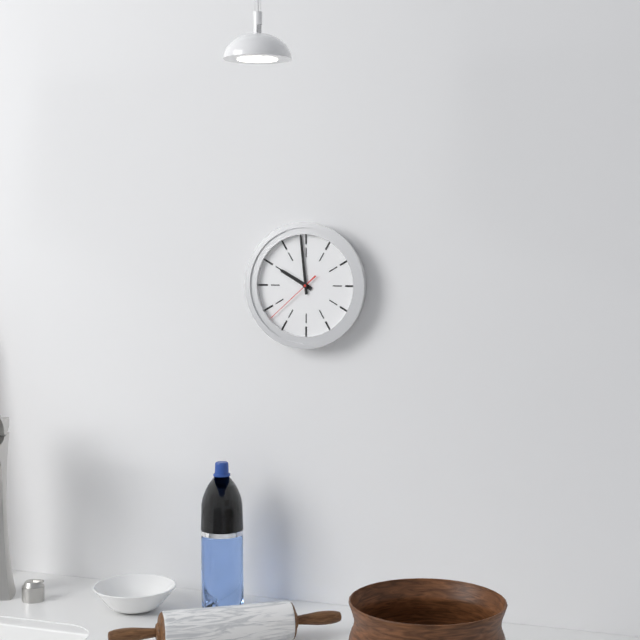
9:59:38
